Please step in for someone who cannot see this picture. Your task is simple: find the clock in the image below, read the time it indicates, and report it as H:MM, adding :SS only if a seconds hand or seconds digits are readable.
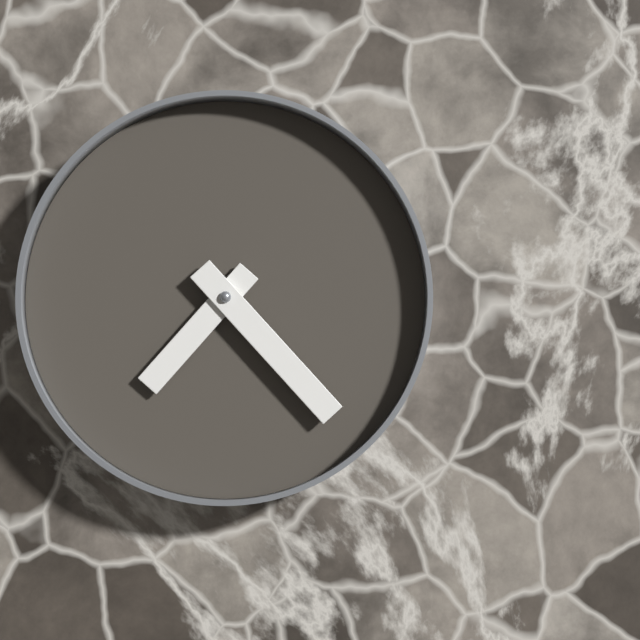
7:23
